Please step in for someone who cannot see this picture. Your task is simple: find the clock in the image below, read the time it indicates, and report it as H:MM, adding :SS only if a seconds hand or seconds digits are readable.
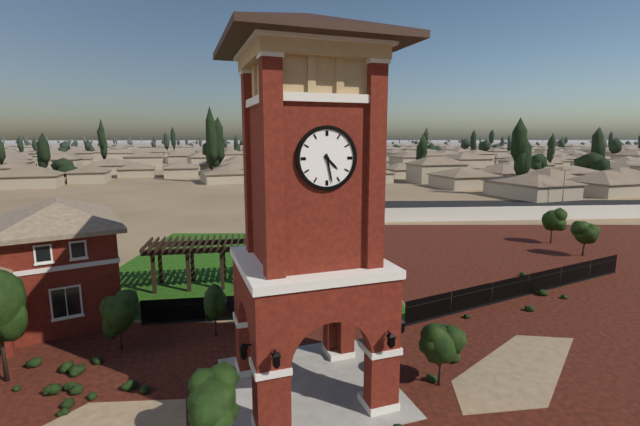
4:28
